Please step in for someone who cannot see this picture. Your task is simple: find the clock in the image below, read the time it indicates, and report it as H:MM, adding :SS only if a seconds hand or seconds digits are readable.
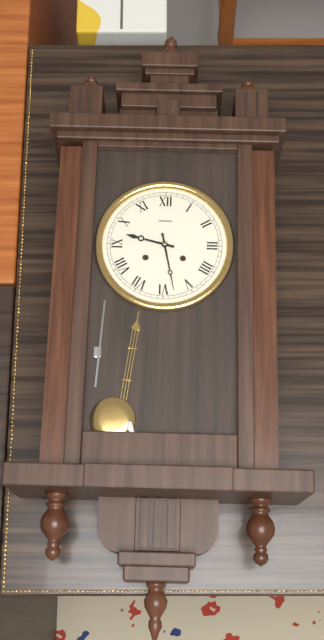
9:28
